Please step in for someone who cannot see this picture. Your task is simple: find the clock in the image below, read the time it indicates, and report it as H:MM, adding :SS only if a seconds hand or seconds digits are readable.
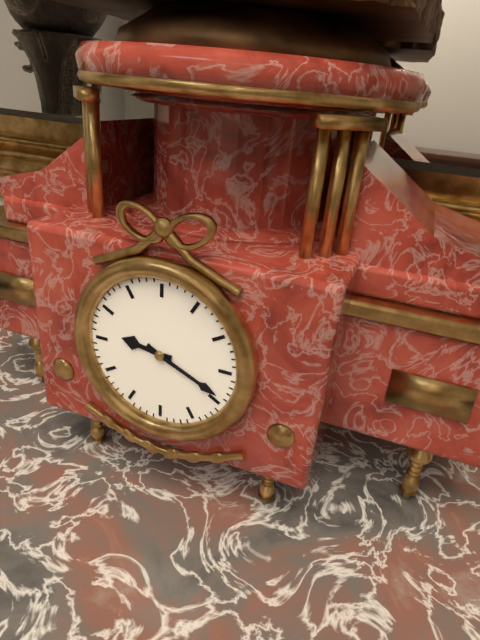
9:19
